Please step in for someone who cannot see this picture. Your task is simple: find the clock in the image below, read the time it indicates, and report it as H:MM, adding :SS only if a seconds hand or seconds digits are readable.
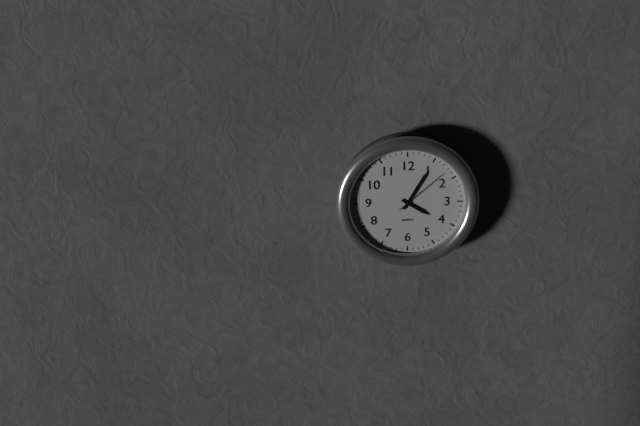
4:05:08
